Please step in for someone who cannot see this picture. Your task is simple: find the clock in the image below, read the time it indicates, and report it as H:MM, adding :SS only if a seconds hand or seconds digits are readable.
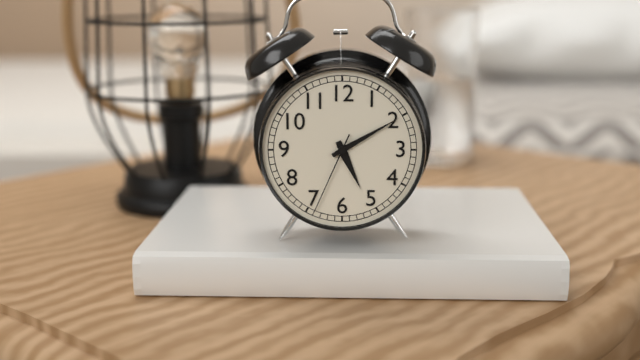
5:10:34
